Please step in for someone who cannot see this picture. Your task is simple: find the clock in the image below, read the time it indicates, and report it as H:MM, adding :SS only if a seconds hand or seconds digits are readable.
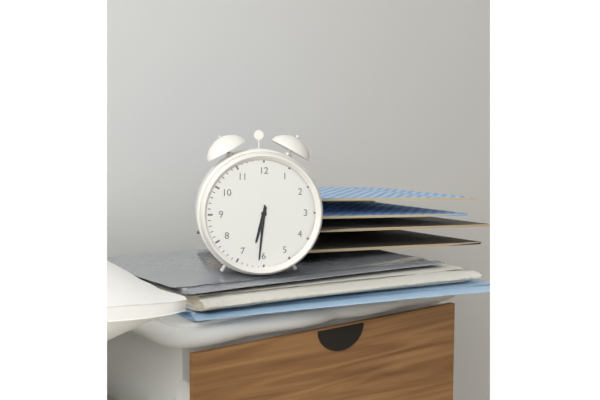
6:31
